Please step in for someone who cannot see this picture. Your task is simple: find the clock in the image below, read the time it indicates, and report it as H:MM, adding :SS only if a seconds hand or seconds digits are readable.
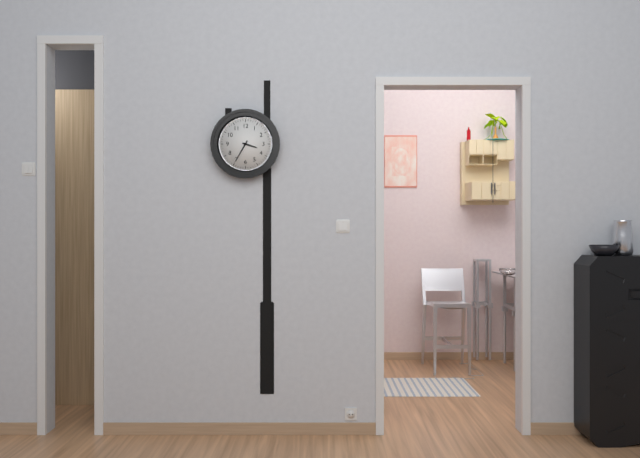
3:35
